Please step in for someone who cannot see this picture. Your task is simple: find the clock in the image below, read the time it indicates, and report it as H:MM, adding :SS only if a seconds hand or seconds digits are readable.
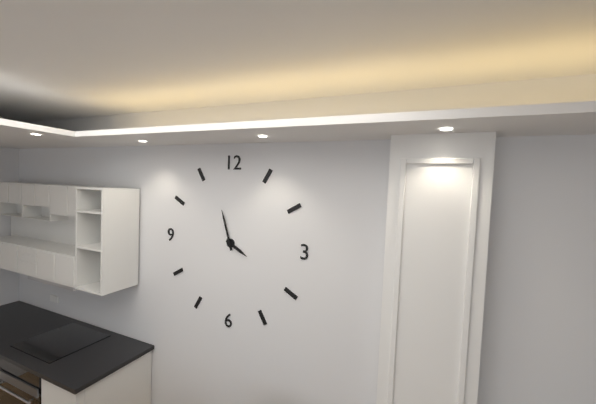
3:57
